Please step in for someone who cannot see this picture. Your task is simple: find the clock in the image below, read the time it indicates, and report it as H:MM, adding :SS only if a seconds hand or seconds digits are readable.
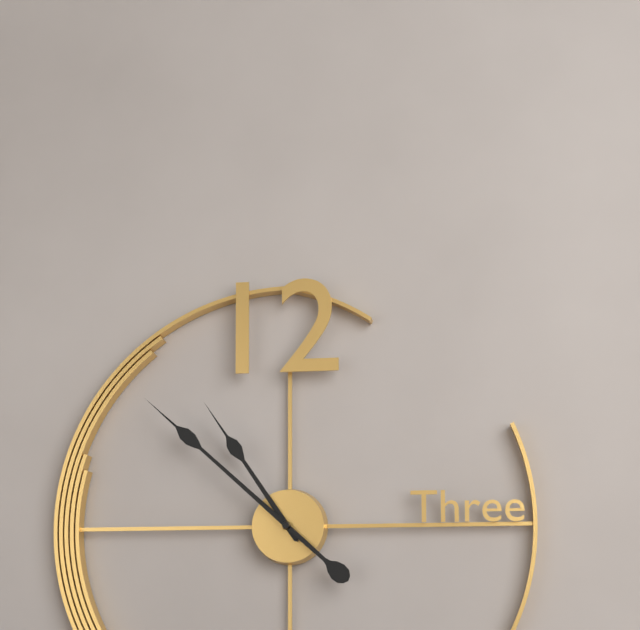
10:52
